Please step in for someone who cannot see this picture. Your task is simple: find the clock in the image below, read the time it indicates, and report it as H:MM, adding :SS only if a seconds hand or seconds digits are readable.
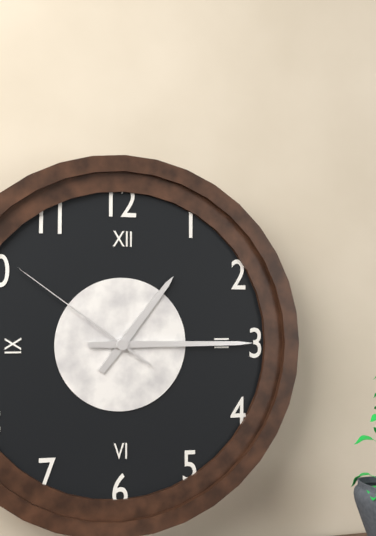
1:15:51
